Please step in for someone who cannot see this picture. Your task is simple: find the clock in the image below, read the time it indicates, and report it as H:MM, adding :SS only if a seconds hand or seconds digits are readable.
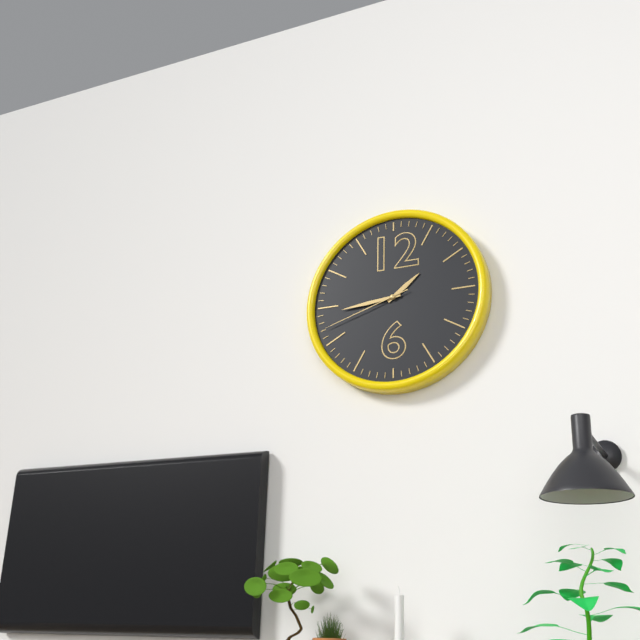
1:44:42
